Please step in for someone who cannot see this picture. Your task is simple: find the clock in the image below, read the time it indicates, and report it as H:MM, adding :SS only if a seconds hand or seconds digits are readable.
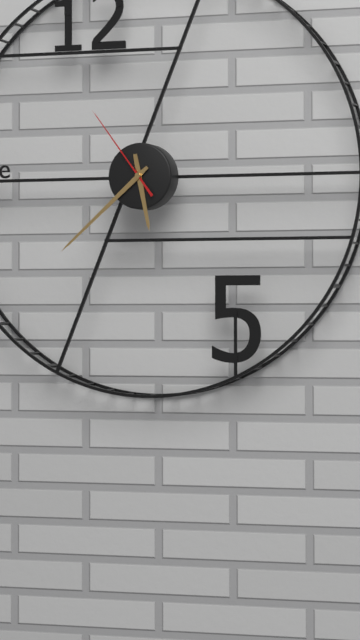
5:38:54
